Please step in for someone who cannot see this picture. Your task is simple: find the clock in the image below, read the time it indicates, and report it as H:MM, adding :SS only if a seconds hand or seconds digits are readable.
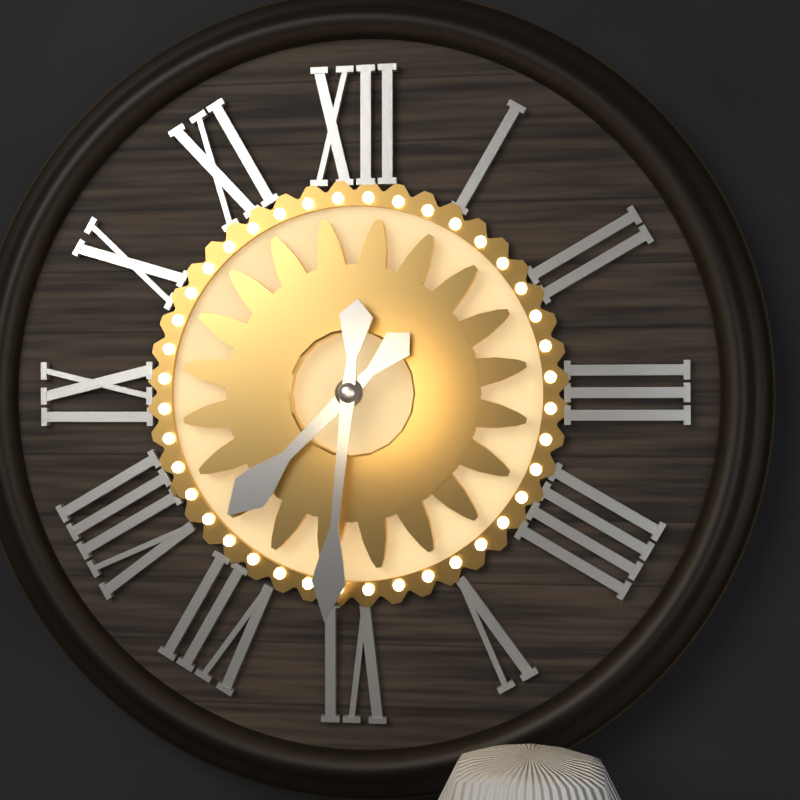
7:31
